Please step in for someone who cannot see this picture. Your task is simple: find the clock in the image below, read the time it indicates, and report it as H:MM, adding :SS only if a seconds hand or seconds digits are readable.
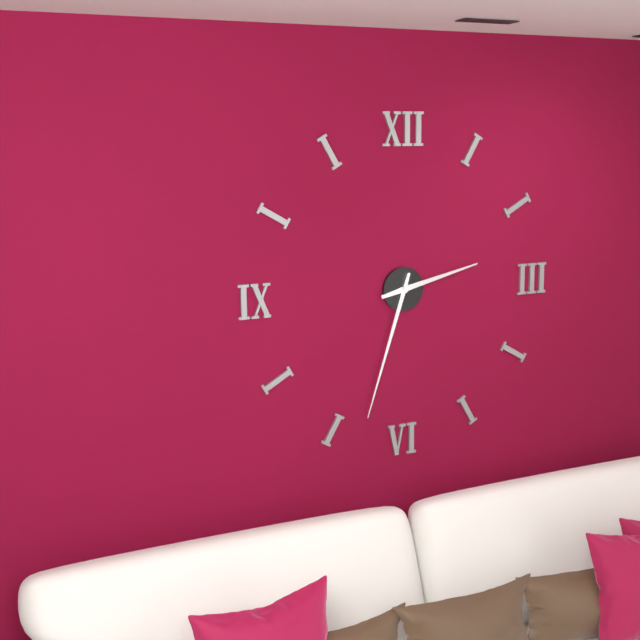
2:33
